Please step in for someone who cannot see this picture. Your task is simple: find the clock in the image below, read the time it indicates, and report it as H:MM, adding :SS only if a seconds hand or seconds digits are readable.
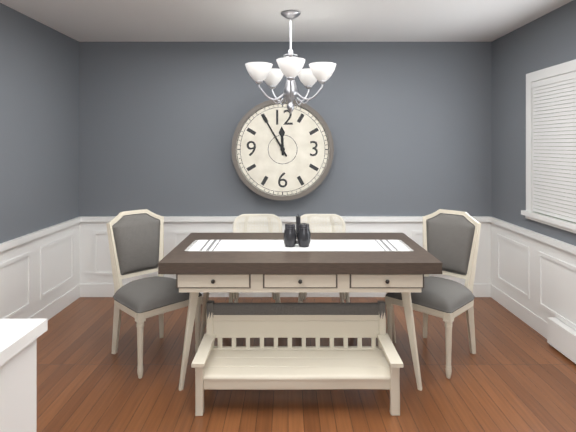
11:55
